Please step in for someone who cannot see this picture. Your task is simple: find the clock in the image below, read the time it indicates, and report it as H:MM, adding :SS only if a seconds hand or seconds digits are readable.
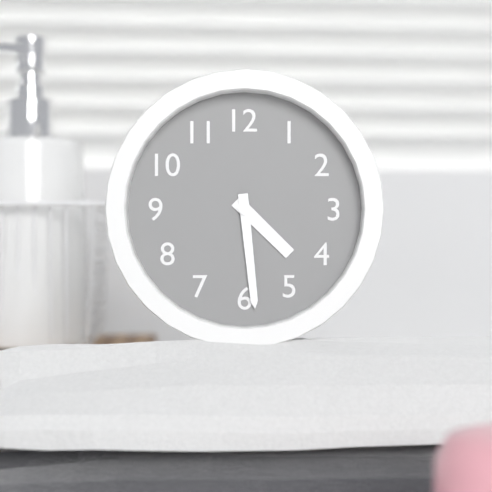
4:29
